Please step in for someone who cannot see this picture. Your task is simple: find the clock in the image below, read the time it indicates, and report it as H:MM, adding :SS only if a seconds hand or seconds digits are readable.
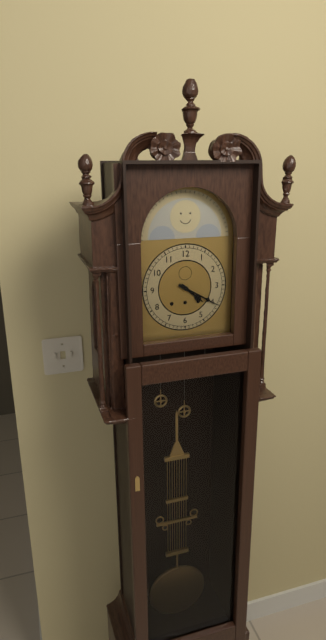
4:20
